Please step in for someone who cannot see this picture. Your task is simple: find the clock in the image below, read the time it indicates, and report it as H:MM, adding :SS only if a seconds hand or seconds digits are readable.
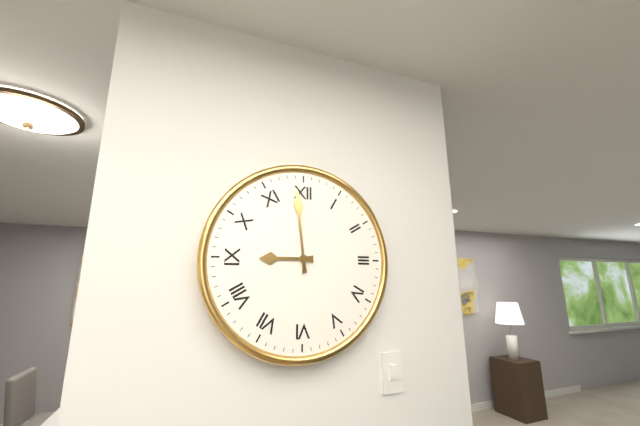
8:59
